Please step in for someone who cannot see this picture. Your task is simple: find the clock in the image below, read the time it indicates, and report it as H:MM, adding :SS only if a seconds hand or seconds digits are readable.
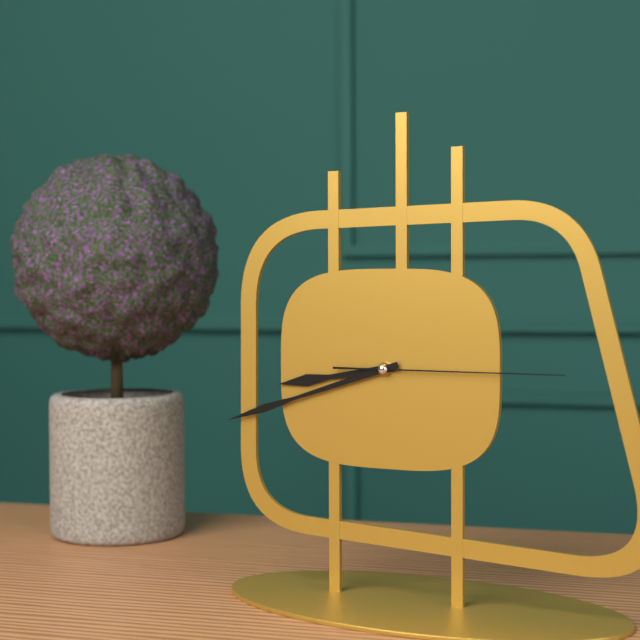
8:42:15
